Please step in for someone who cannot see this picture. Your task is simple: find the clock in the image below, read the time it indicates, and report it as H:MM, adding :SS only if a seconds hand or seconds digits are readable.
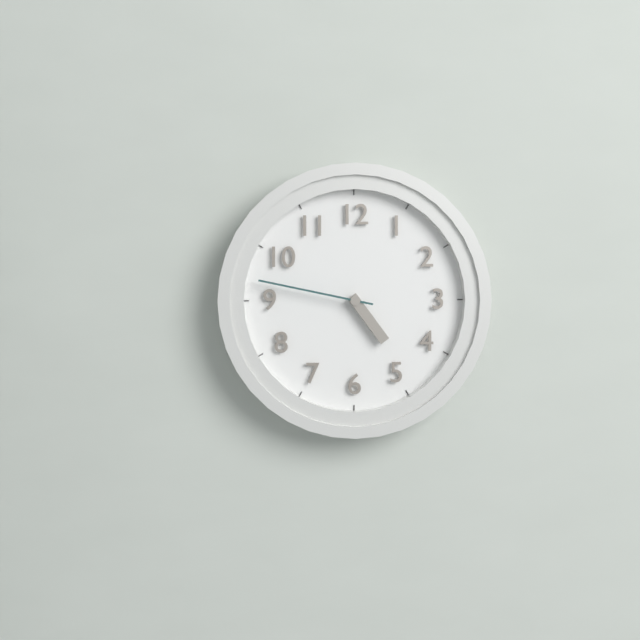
4:47
